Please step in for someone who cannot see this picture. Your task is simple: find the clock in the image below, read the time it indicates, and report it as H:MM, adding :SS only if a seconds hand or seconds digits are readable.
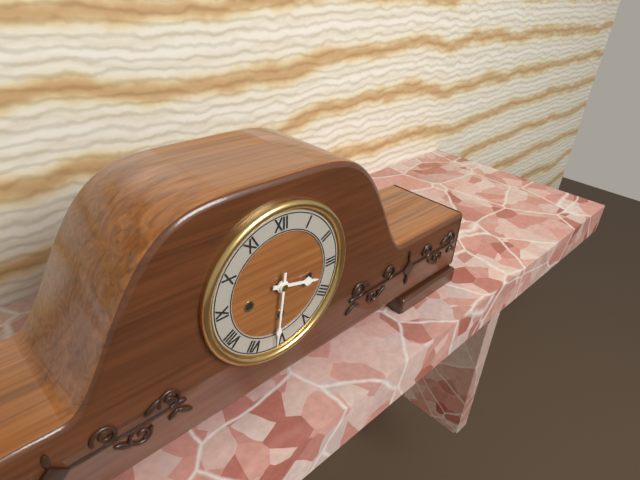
3:31
